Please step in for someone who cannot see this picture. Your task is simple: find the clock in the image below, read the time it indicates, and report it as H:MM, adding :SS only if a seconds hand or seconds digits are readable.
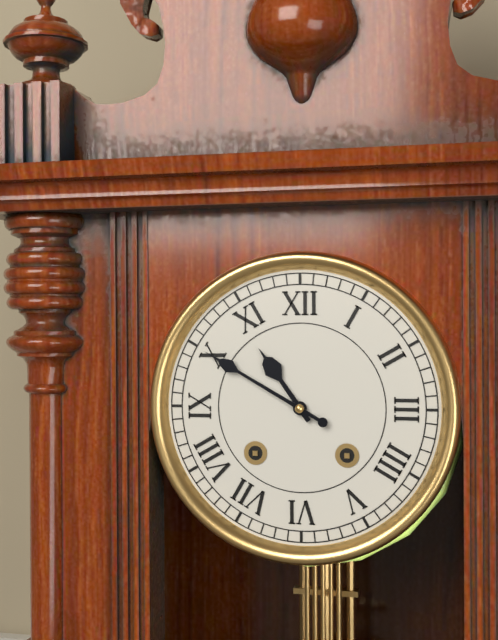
10:50
